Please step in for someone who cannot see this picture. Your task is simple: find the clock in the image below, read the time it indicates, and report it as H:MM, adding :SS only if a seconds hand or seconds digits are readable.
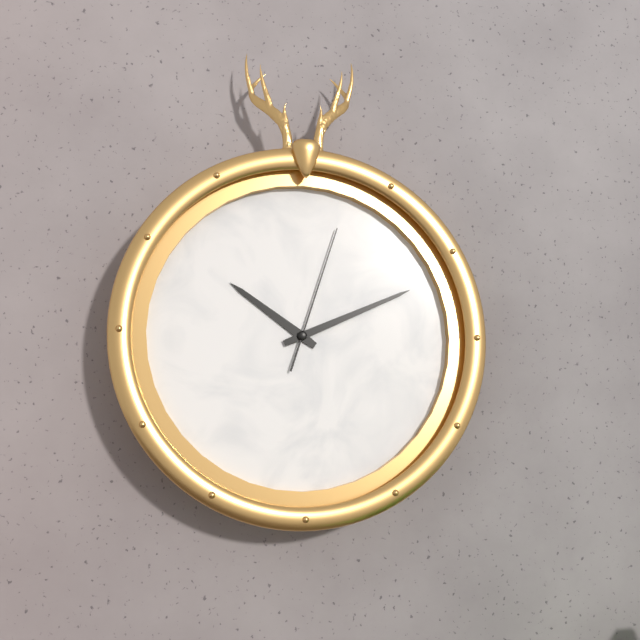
10:11:03
